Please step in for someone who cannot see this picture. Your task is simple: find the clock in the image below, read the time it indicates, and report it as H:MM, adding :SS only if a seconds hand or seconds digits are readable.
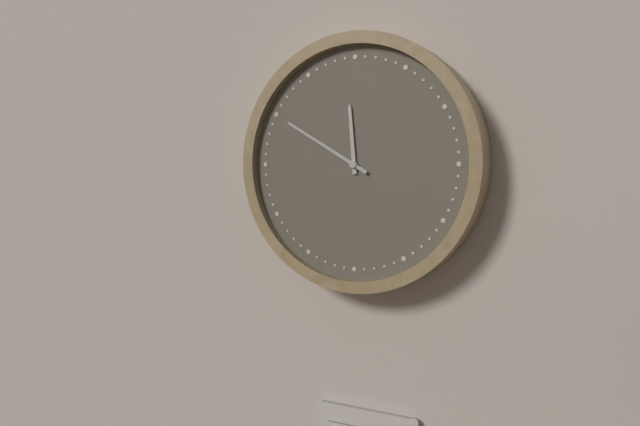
11:50
